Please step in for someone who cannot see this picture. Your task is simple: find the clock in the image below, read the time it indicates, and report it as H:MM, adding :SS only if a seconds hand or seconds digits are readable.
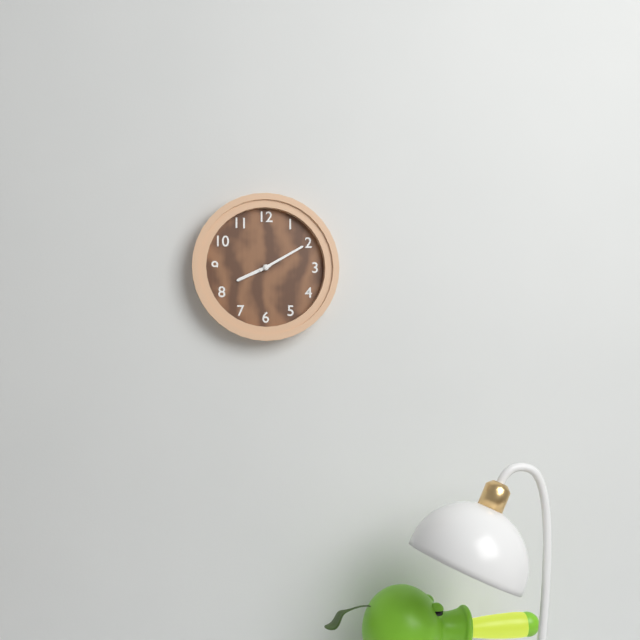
8:10
